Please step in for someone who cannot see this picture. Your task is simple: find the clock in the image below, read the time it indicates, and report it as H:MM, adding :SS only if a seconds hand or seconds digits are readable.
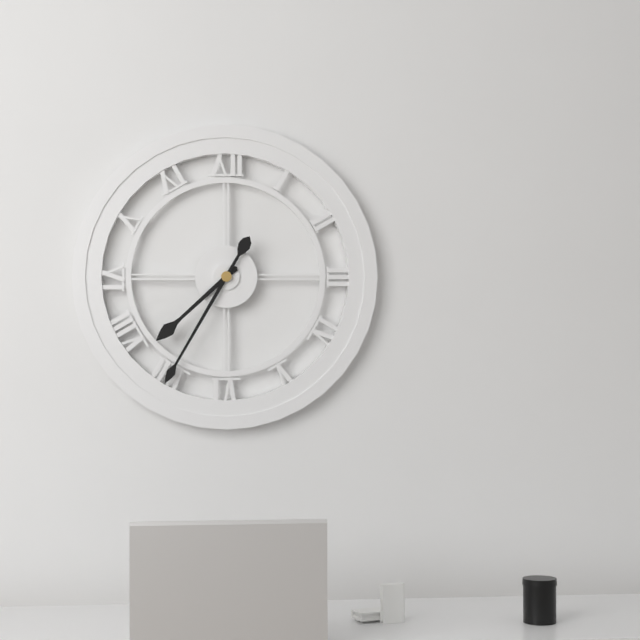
7:35
